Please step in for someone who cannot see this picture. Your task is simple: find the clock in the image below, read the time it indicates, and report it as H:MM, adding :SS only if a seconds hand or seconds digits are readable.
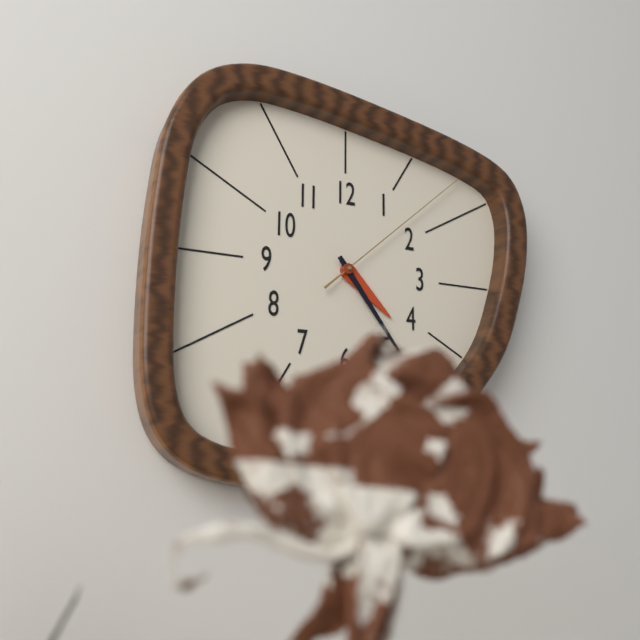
4:24:08
